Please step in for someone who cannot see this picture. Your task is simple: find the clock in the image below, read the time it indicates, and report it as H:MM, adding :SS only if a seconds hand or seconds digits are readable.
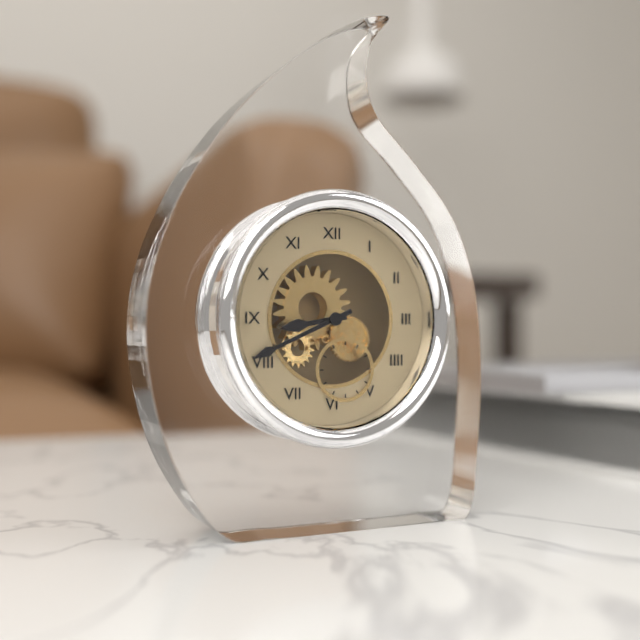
8:41
